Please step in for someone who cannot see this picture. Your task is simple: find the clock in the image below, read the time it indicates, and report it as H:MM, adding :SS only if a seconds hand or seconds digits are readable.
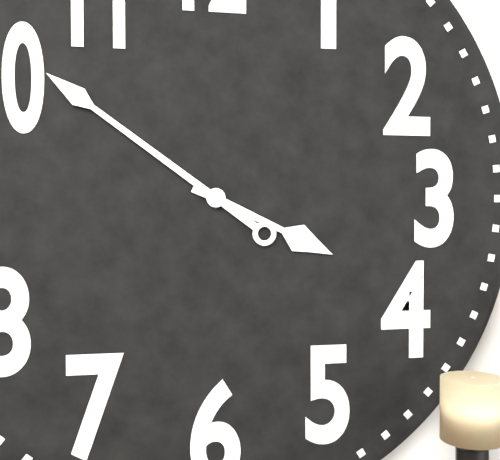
3:51
